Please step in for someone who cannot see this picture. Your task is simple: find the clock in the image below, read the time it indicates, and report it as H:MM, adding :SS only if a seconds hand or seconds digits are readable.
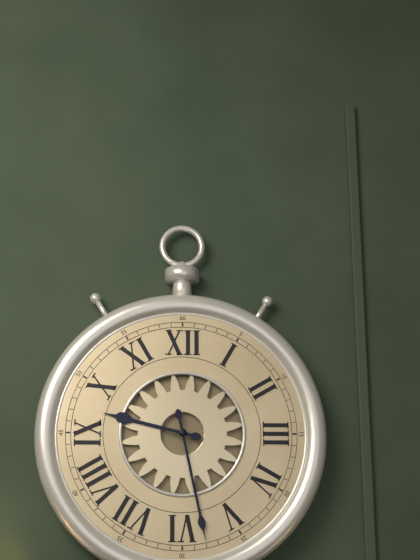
9:28
